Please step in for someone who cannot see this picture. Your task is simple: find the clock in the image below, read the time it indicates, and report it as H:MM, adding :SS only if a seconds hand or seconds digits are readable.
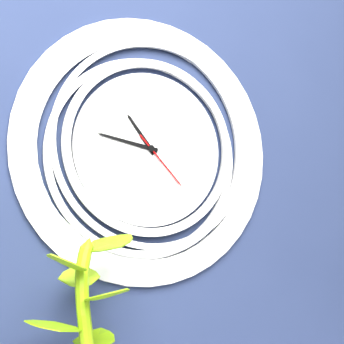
10:47:23
